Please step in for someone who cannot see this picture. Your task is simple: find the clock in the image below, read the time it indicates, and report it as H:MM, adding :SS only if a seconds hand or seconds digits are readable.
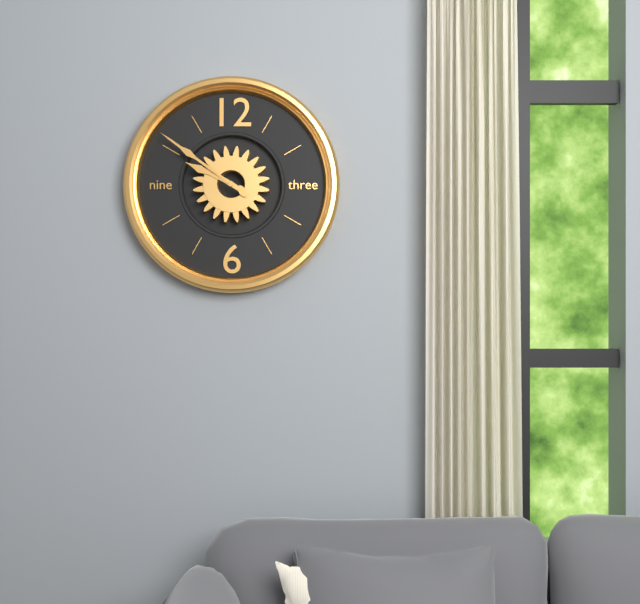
9:51
